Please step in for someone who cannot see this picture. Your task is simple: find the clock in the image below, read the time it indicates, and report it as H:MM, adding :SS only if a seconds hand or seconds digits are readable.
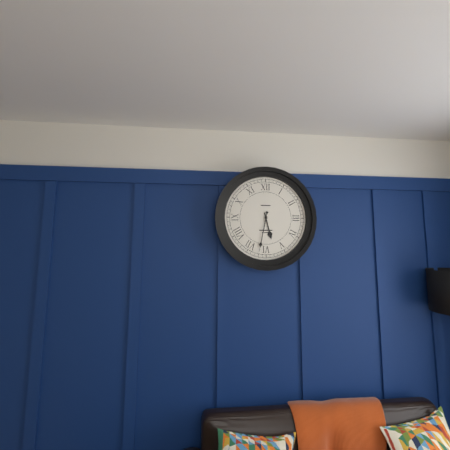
5:32
